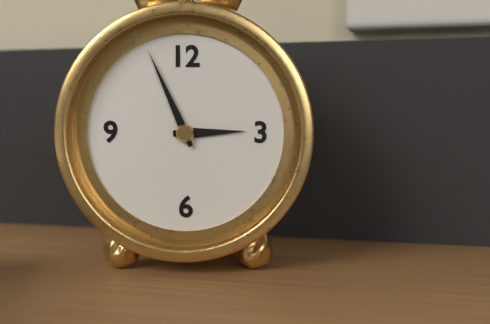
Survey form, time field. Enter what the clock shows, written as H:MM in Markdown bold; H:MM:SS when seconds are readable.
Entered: **2:56**
